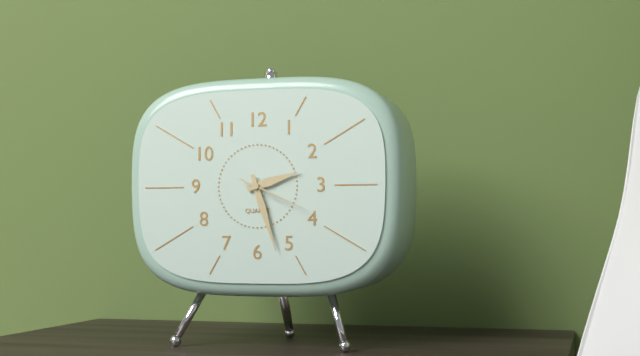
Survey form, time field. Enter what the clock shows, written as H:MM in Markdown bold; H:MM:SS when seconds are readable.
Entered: **2:27:19**
